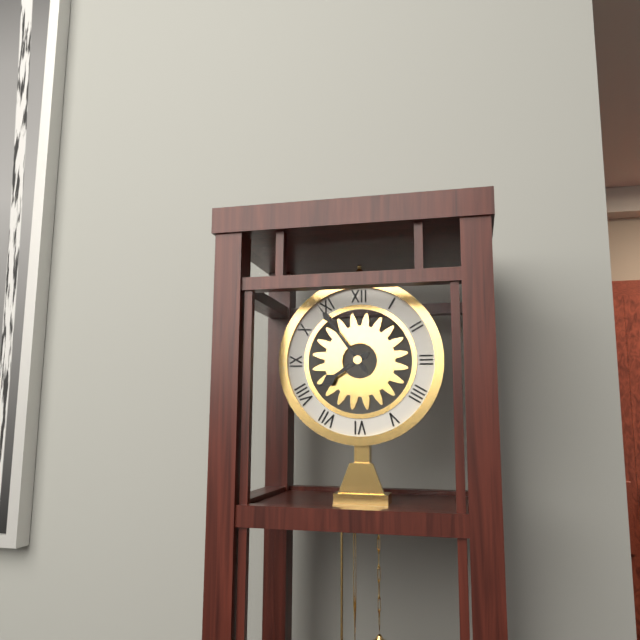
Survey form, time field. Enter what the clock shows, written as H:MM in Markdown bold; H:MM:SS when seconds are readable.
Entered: **7:54**
